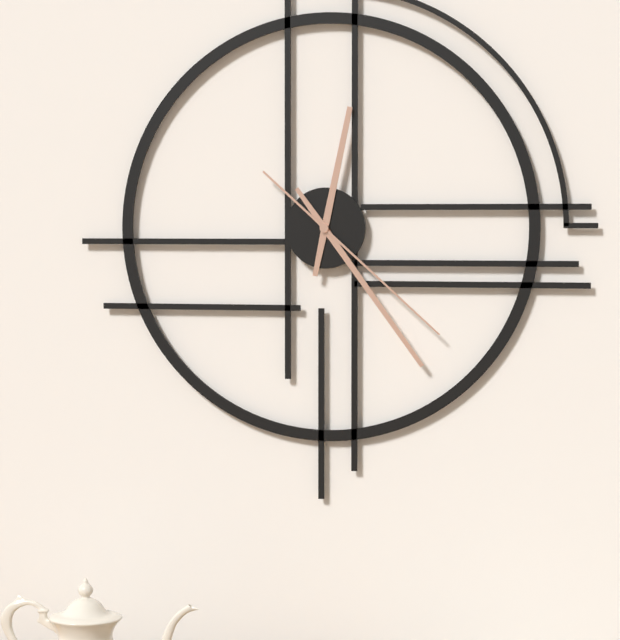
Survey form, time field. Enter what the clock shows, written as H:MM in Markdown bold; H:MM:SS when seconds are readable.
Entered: **12:24:22**
